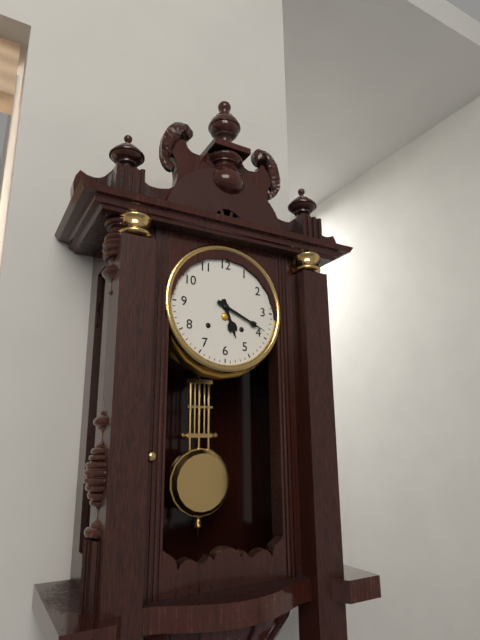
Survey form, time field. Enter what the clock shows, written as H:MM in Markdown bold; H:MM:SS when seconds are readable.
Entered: **5:19**
